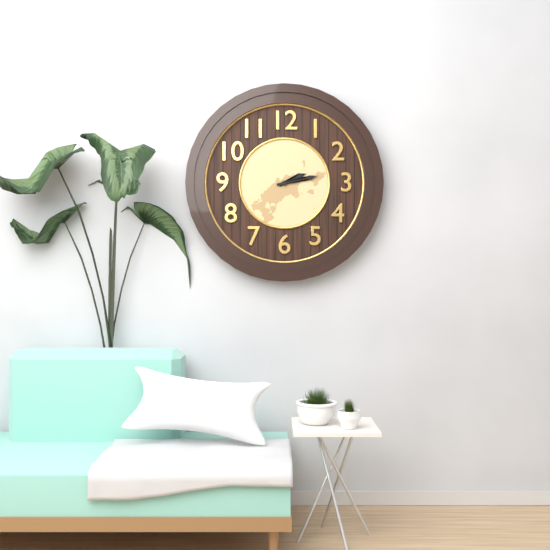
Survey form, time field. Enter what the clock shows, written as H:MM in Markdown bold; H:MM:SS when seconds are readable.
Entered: **2:13**
